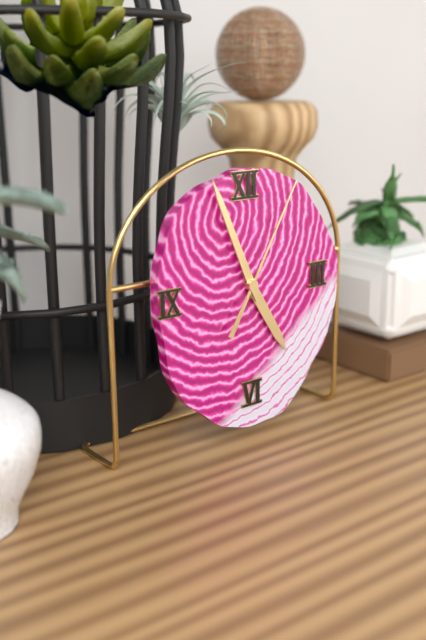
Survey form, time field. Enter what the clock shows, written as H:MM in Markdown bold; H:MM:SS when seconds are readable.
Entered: **4:56:05**
